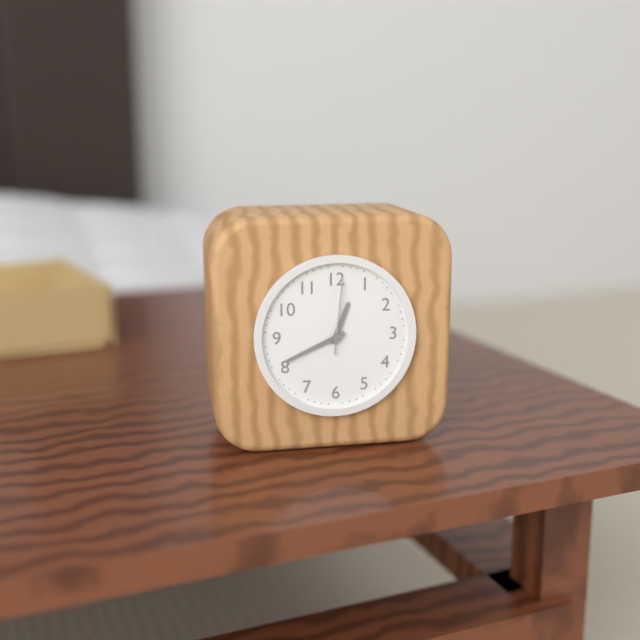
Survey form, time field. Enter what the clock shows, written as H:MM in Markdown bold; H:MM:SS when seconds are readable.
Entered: **12:41:01**
